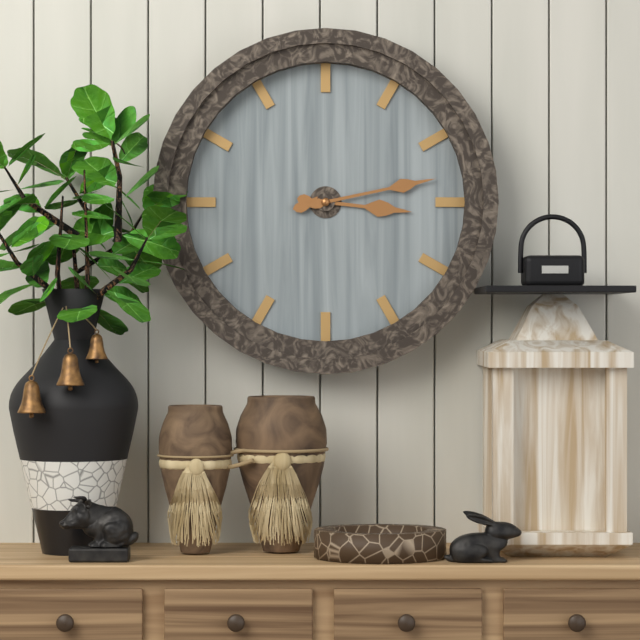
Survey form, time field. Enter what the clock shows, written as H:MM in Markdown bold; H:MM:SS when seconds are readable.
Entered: **3:13**
